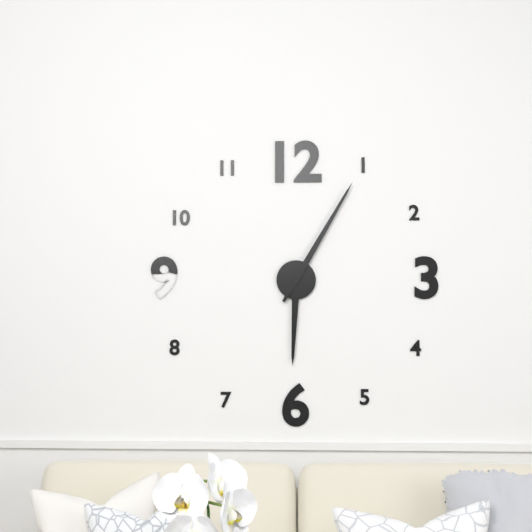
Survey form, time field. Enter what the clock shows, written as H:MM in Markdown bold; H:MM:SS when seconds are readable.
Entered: **6:05**
